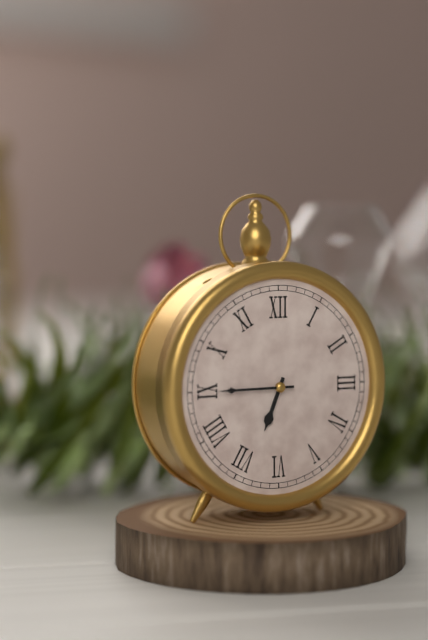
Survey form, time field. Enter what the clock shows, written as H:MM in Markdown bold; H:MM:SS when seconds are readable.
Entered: **6:45**
